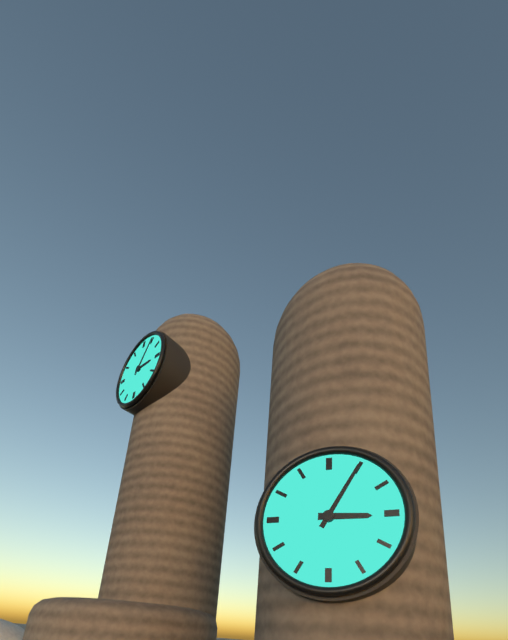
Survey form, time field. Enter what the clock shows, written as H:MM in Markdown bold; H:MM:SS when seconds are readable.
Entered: **3:05**
